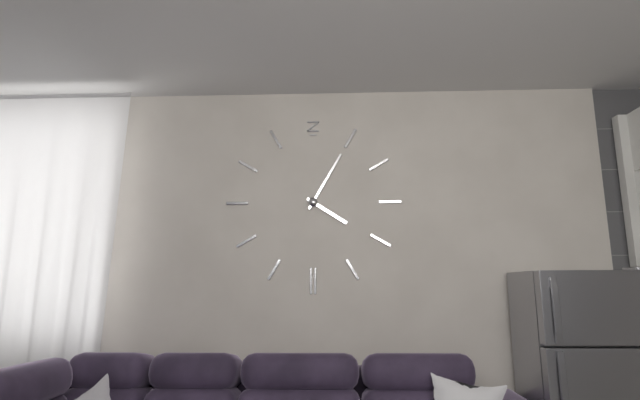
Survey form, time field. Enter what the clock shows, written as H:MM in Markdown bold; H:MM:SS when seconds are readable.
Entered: **4:05**
